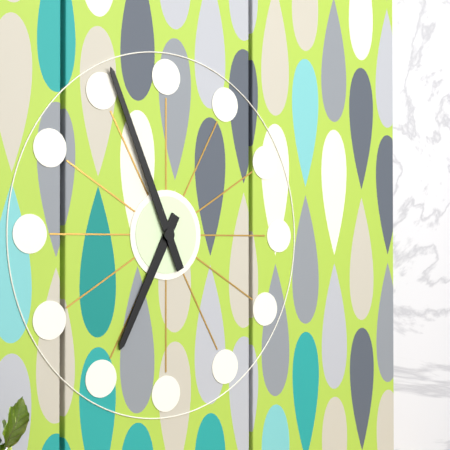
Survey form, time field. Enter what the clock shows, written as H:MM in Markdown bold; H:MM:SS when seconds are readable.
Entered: **6:56**
